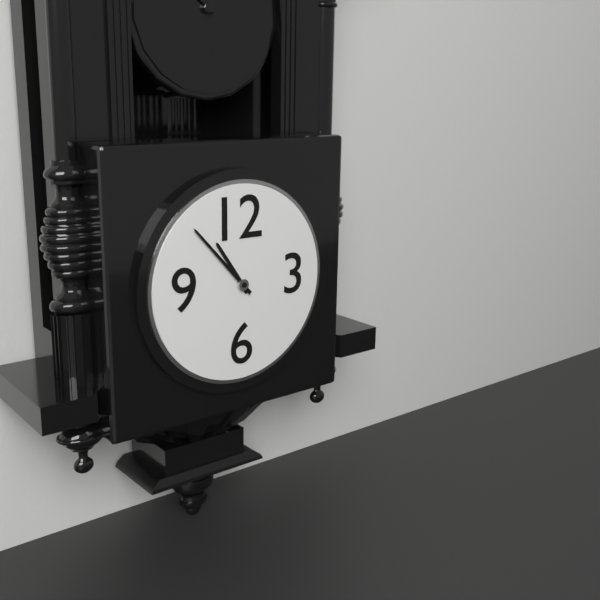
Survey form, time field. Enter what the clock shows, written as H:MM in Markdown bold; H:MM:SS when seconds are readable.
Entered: **10:53**
